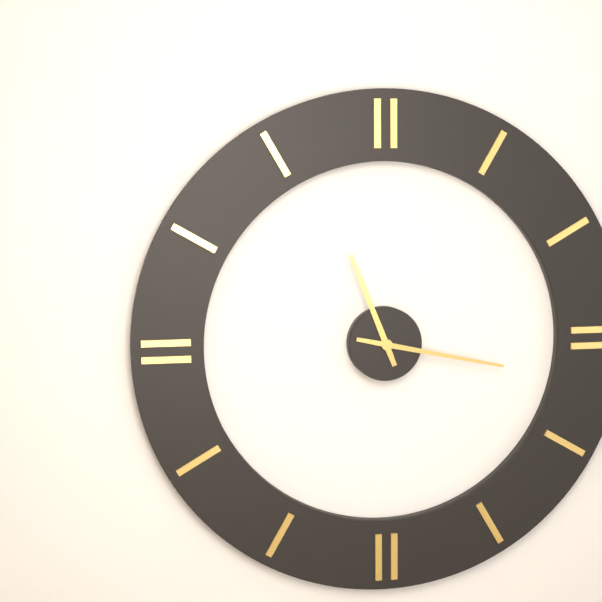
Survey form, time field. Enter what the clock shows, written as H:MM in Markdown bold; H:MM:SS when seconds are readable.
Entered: **11:17**
